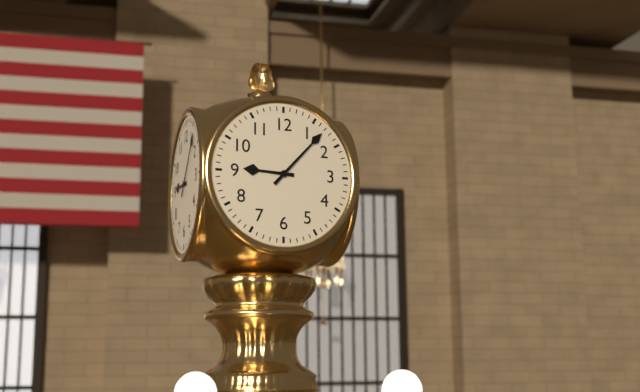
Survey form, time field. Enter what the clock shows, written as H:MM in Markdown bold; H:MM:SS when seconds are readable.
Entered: **9:07**
